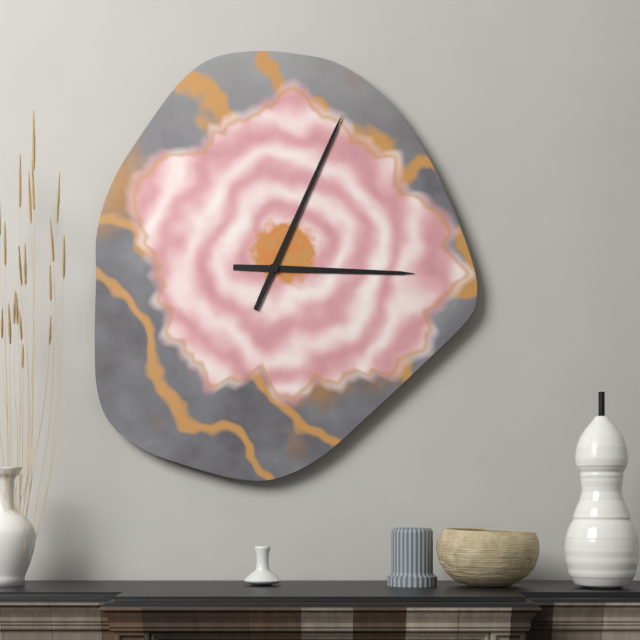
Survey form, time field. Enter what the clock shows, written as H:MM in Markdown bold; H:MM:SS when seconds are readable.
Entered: **3:04**
